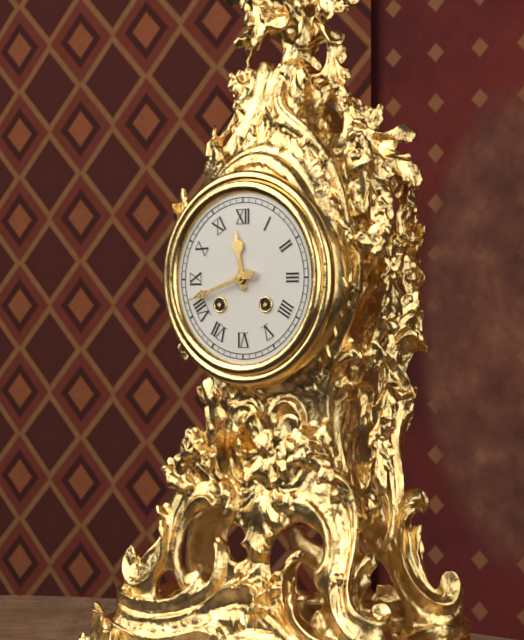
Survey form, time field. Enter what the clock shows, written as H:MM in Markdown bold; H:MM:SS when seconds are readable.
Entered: **11:42**
